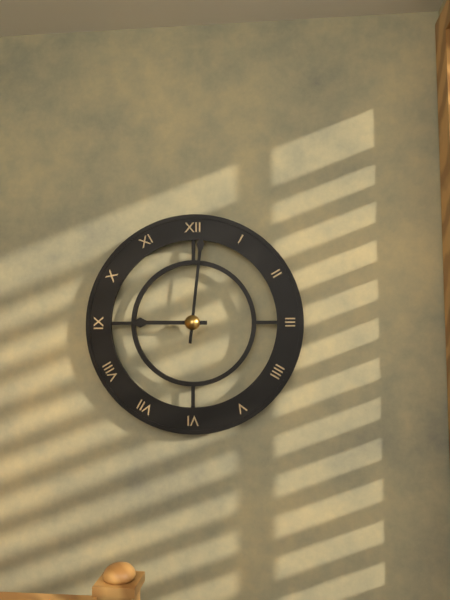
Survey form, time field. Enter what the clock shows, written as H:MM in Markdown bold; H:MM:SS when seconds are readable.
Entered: **9:01**
